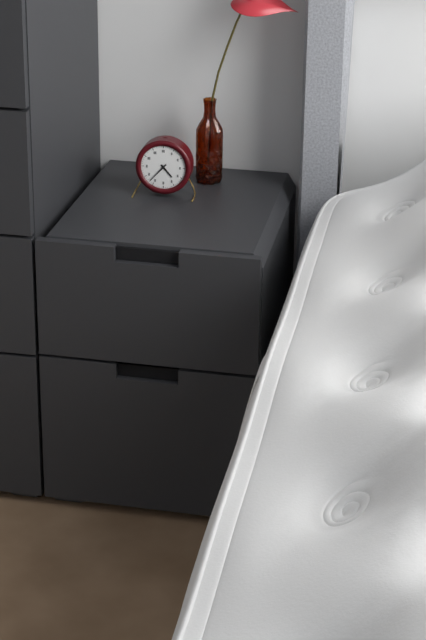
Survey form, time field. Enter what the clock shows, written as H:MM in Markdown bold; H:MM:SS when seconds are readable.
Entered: **4:37**
